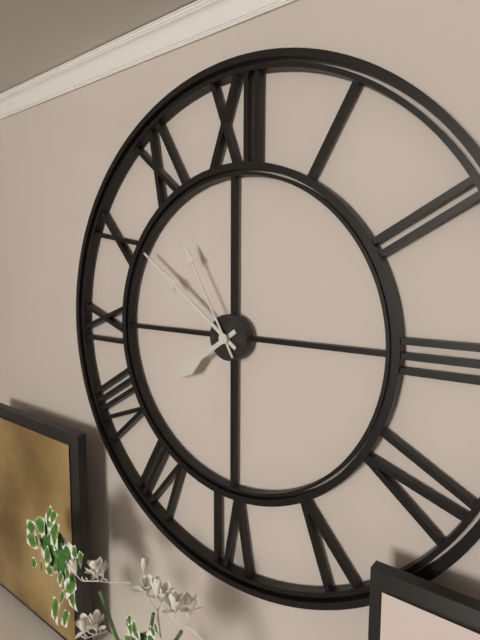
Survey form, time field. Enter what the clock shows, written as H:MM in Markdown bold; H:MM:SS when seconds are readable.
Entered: **7:51:55**
